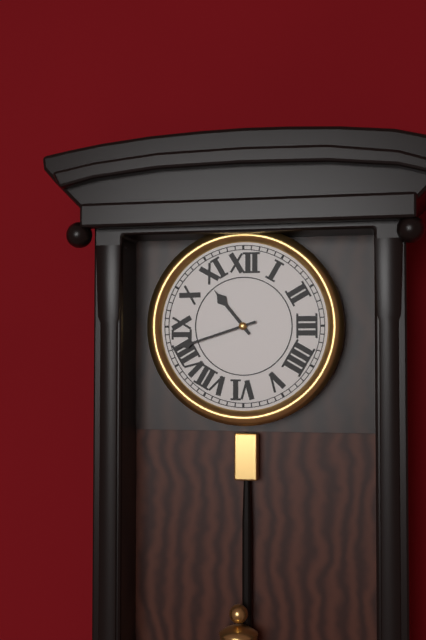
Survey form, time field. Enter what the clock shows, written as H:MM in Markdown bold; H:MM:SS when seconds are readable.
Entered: **10:42**
